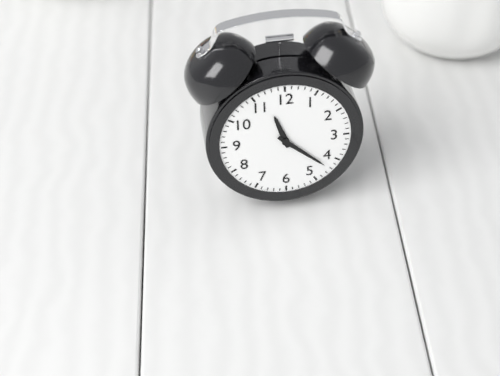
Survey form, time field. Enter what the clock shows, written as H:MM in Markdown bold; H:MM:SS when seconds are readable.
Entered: **11:22**
